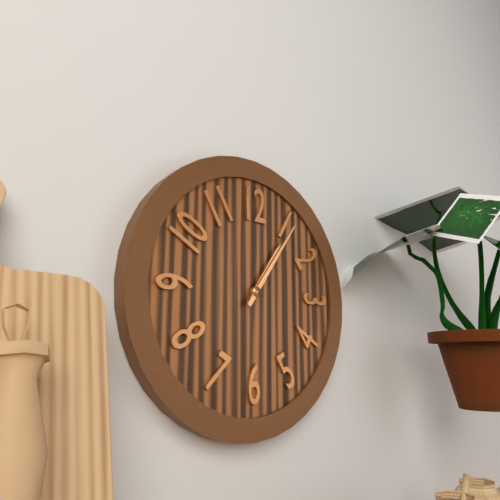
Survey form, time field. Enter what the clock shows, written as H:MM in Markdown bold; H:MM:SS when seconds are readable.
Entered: **1:06**
